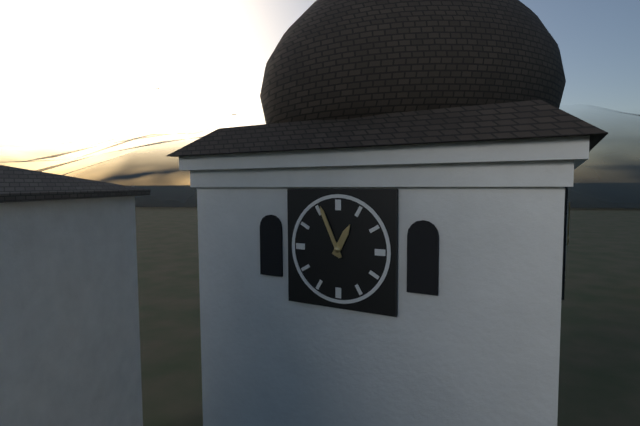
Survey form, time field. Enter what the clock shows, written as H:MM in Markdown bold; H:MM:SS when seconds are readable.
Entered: **12:56**
